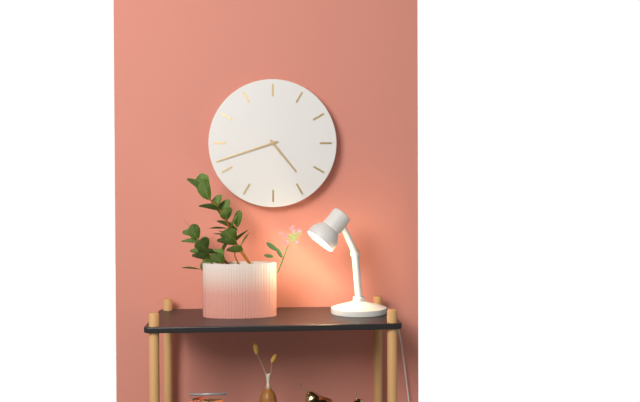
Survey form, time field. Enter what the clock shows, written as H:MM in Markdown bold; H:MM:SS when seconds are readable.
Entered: **4:42**
